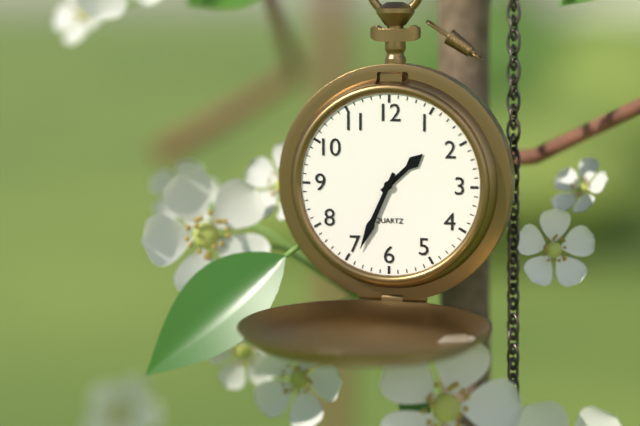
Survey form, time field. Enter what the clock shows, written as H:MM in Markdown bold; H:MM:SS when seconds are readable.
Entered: **1:34**
